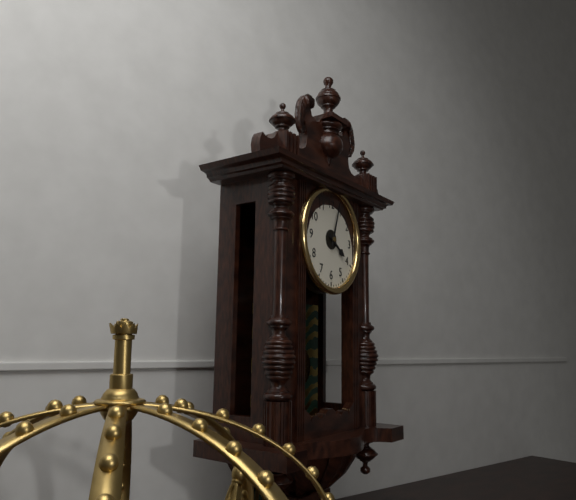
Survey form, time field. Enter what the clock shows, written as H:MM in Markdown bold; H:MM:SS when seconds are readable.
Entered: **4:03**
